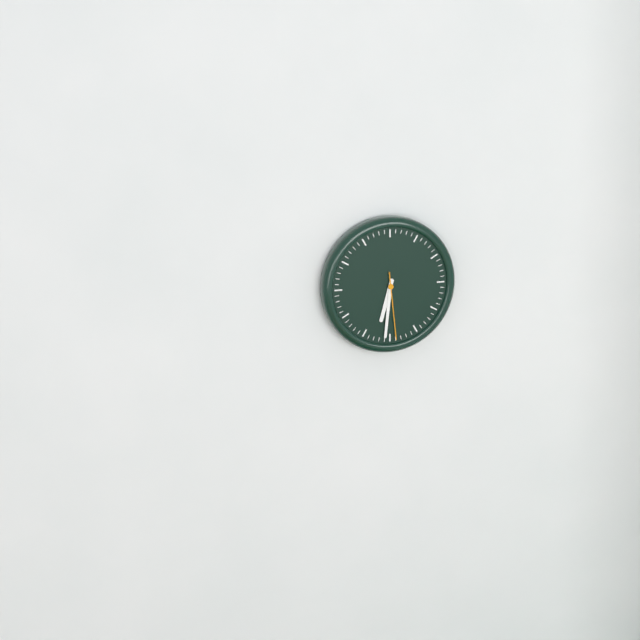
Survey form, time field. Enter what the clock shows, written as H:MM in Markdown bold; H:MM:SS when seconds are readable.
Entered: **6:31:29**
